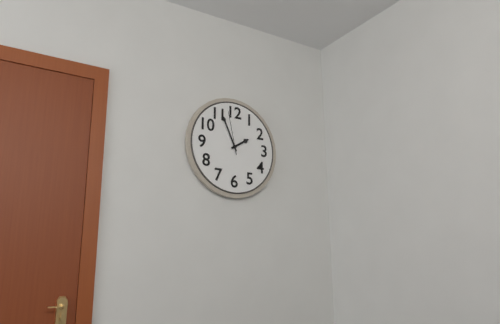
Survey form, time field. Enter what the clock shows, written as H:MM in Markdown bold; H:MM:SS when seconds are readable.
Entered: **1:56**
